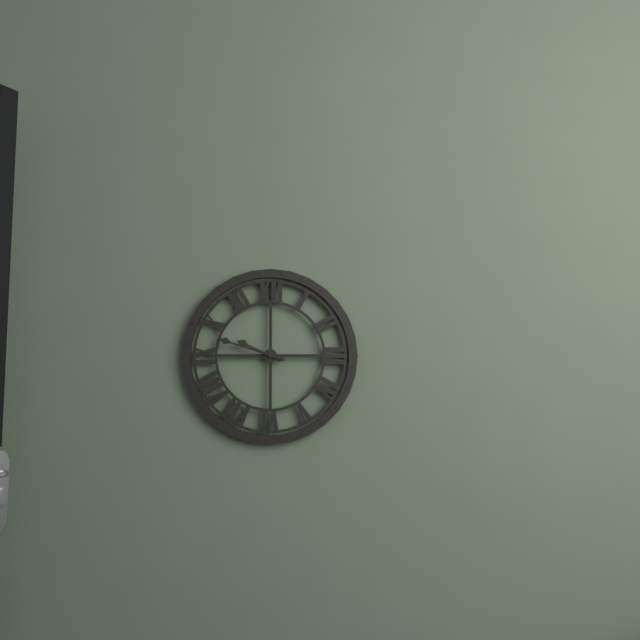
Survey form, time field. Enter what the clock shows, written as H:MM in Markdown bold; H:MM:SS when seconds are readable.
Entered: **9:48**
